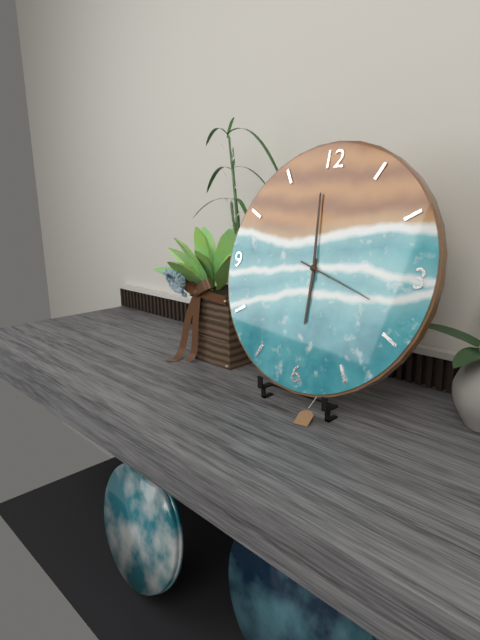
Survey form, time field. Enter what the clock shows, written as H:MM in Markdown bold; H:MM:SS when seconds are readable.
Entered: **5:59:18**
